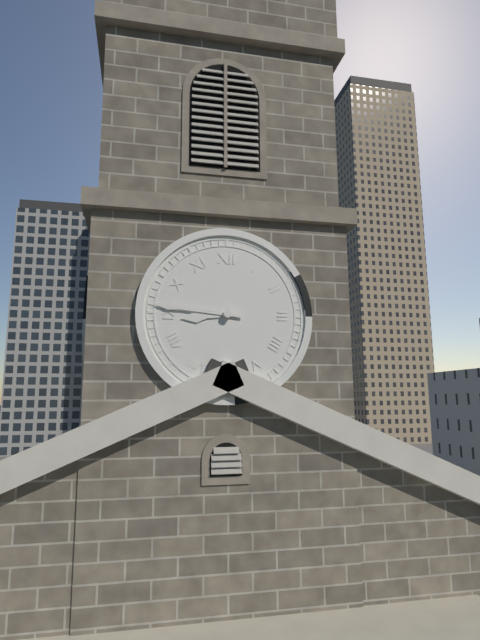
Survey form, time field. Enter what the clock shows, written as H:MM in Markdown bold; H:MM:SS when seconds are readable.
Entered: **8:46**
